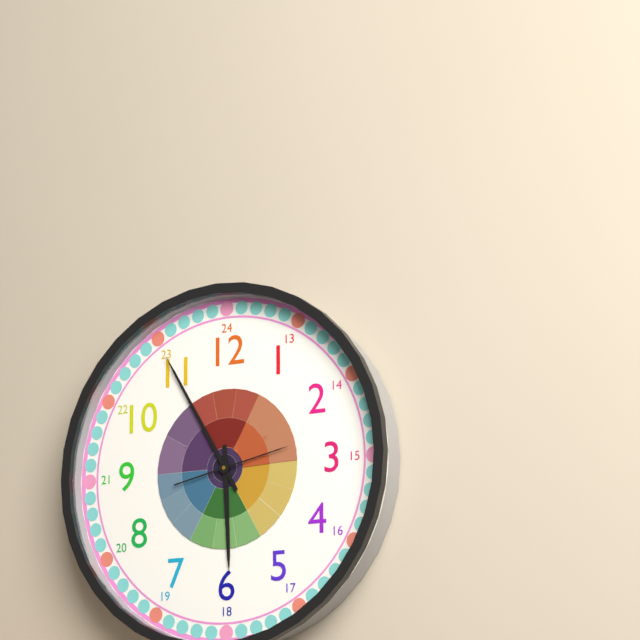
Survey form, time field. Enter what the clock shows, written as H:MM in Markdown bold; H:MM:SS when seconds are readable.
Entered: **5:55:13**
